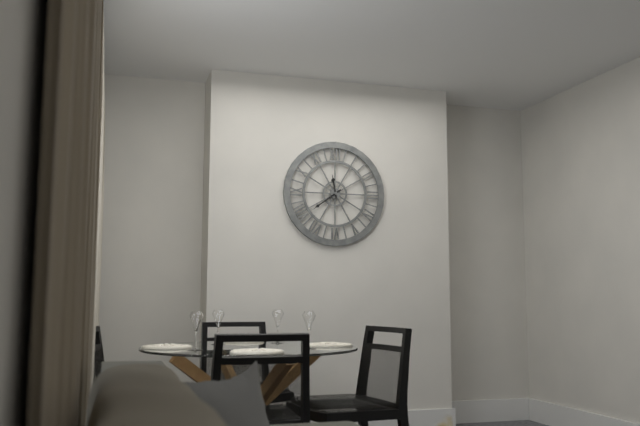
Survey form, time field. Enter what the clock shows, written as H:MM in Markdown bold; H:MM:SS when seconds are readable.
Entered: **11:39**
